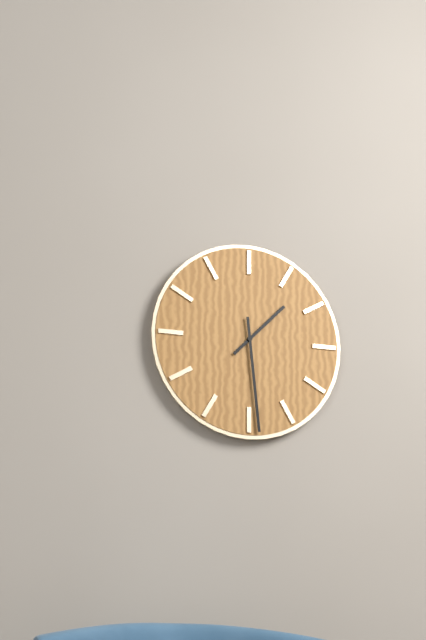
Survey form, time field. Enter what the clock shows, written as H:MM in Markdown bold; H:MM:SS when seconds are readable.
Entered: **1:29**
